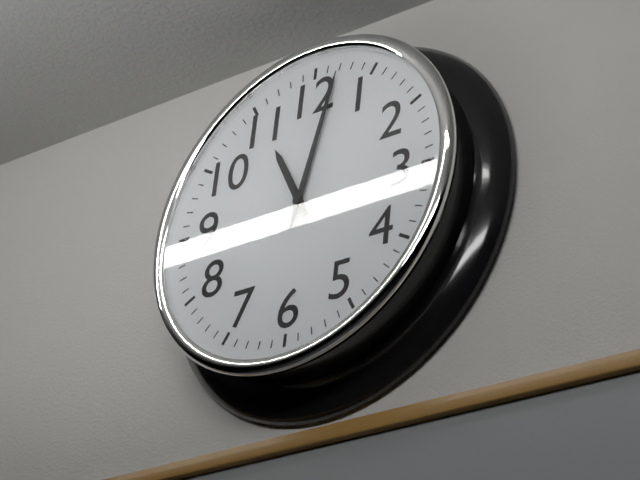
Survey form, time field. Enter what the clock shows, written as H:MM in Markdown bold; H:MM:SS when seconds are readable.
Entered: **11:02**
